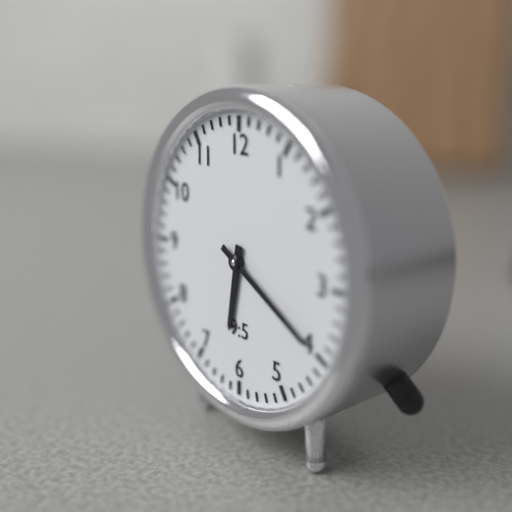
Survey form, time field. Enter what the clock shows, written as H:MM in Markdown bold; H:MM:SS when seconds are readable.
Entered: **6:20**
